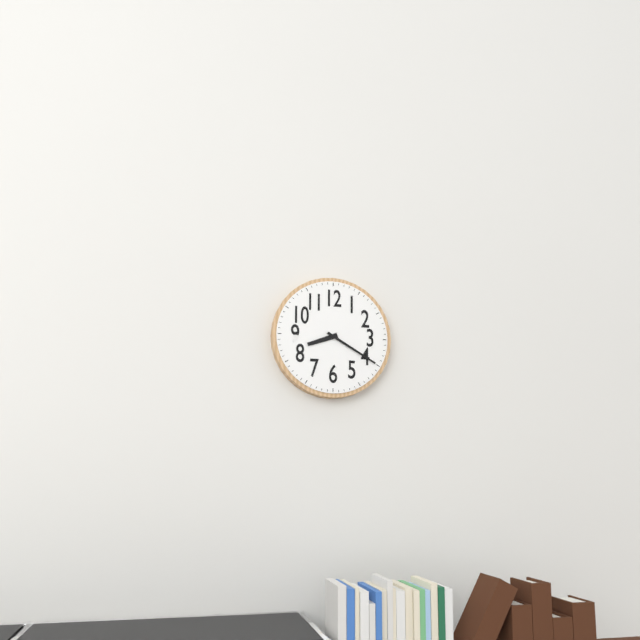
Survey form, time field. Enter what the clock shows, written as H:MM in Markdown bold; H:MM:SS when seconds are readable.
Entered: **8:20**
